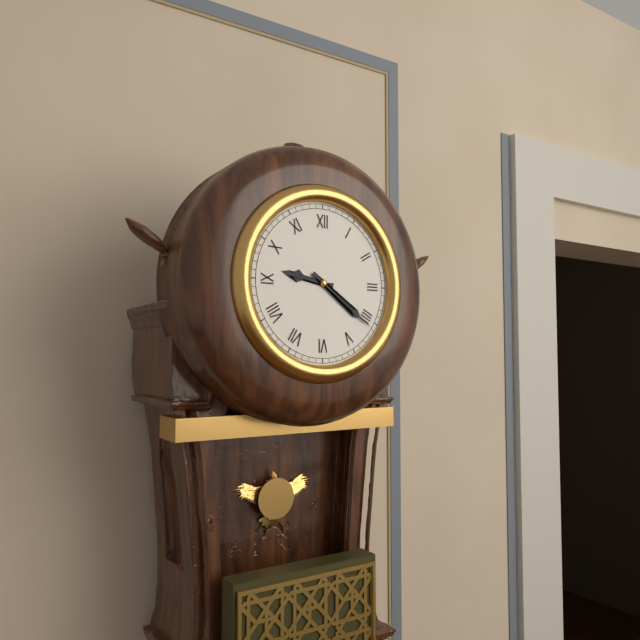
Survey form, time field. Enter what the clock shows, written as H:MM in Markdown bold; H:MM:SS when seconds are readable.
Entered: **9:21**
